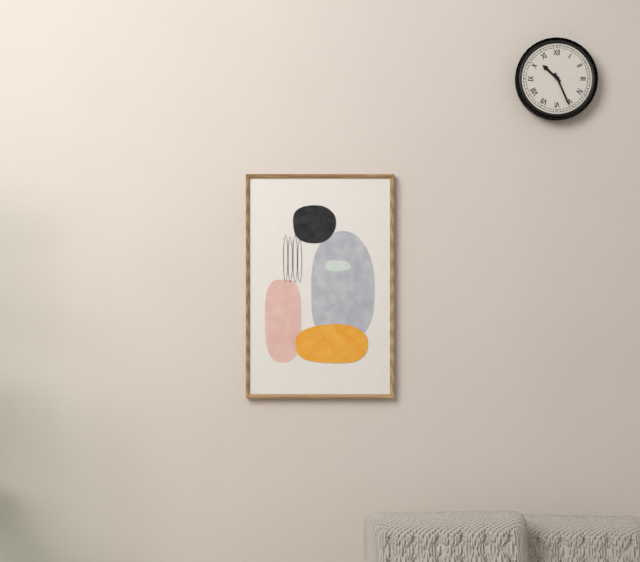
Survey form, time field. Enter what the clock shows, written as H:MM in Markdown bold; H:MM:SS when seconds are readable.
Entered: **10:26**
